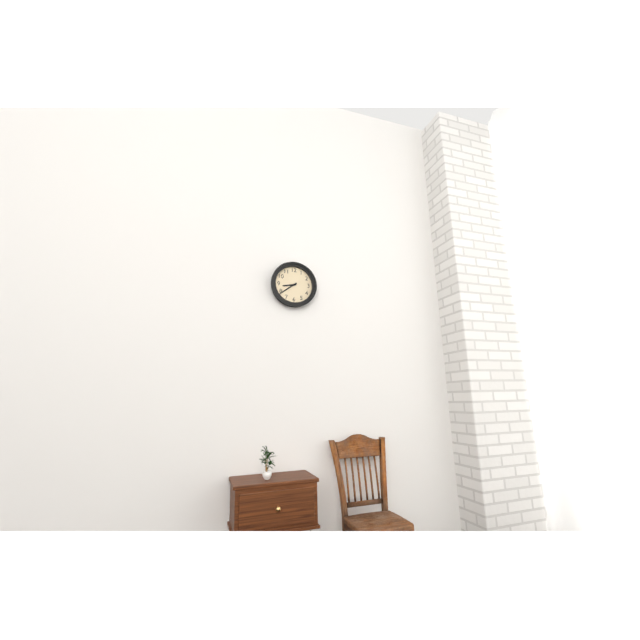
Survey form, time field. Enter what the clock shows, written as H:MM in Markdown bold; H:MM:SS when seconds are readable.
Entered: **8:39**
